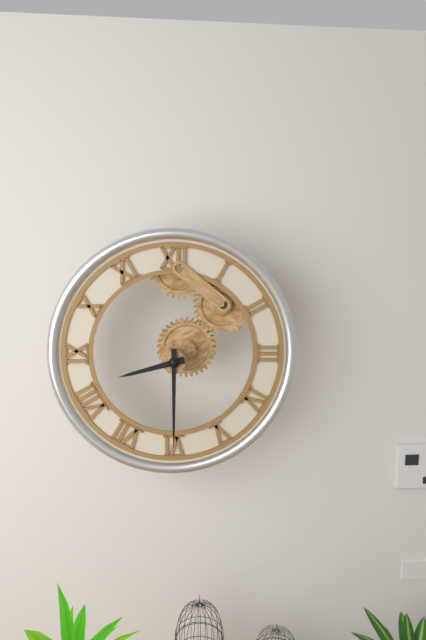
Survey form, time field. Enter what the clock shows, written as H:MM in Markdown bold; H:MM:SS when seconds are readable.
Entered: **8:30**
